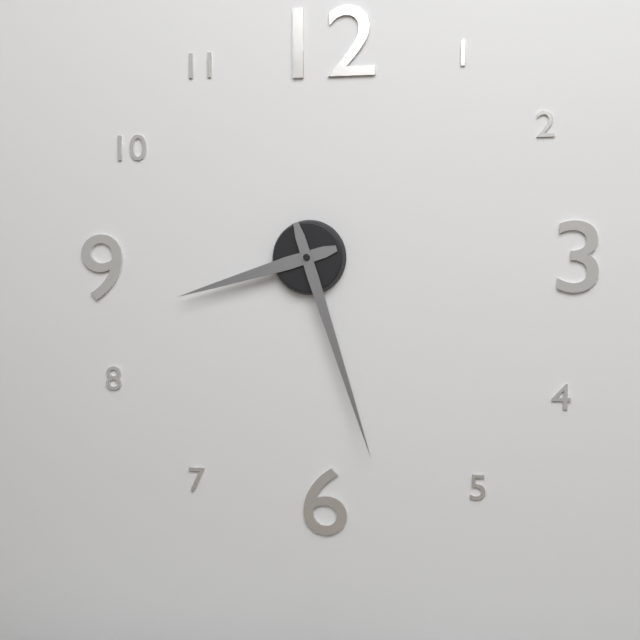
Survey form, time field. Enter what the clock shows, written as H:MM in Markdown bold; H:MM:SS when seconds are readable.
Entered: **8:27**
